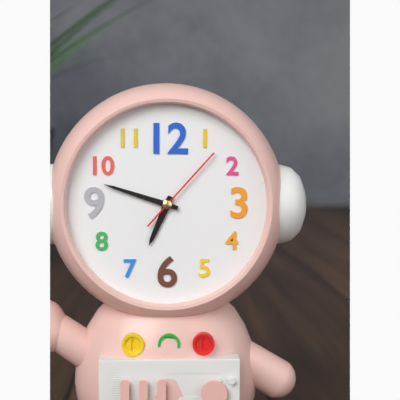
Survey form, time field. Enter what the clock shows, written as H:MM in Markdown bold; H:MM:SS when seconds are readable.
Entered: **6:48:07**
